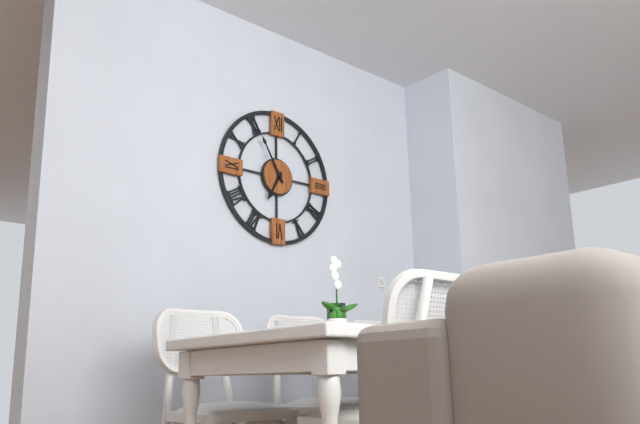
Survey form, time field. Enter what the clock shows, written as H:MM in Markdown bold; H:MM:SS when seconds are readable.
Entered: **6:55**
